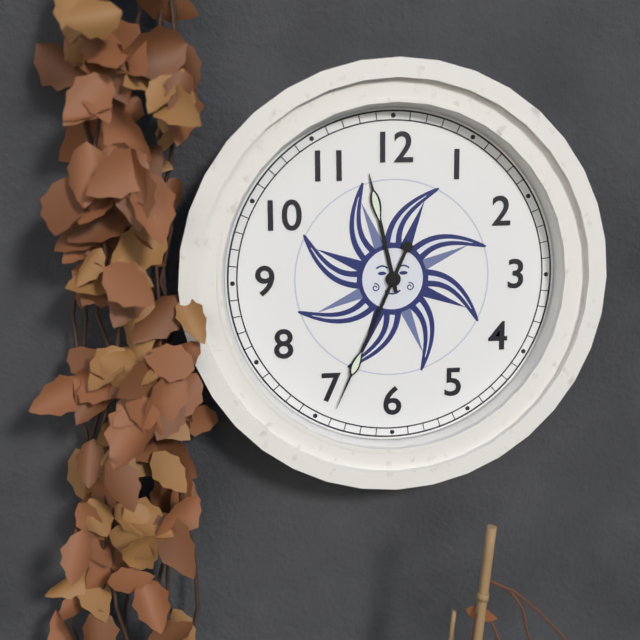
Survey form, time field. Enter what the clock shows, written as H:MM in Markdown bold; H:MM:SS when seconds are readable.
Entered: **11:34**
